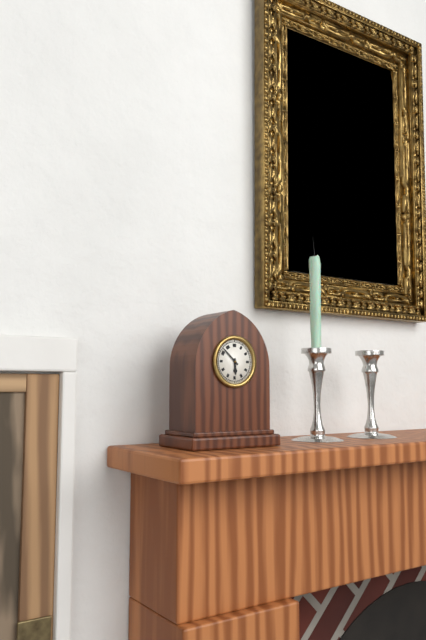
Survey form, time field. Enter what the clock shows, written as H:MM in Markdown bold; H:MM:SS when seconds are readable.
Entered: **5:52**
